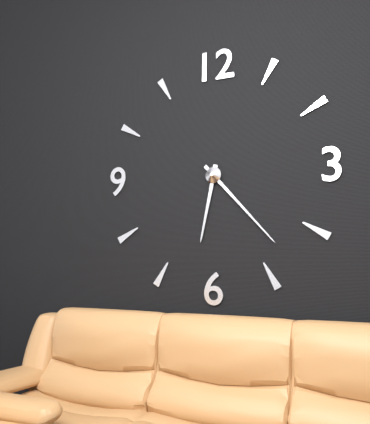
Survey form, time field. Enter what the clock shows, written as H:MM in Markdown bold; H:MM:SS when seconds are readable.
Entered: **6:23**
